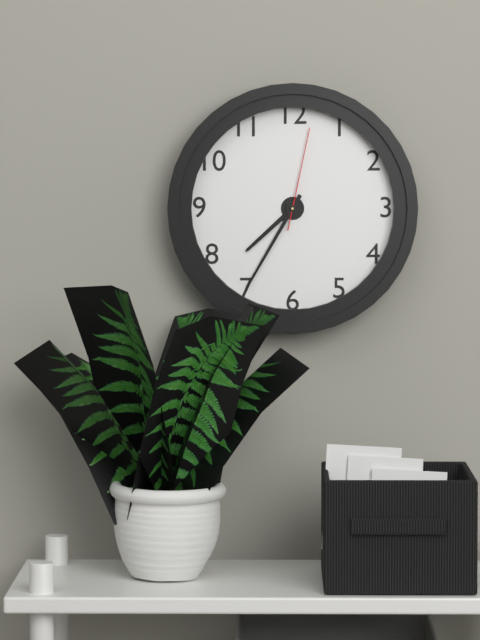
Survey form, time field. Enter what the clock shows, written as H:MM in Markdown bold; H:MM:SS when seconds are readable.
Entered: **7:35:02**
